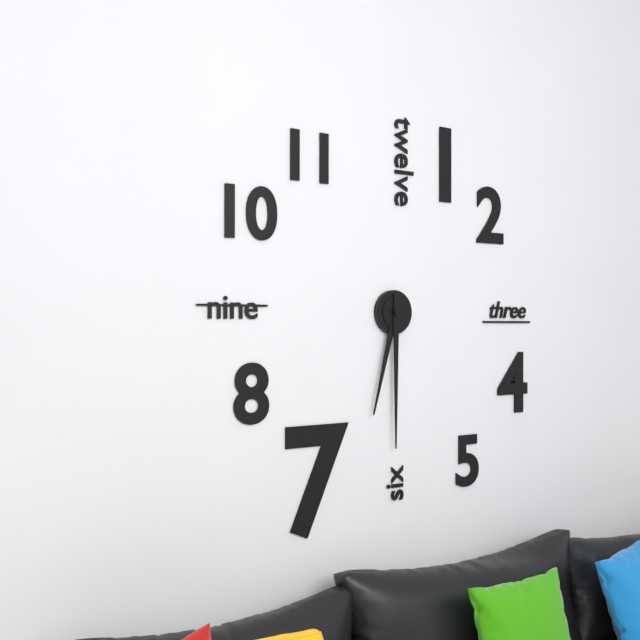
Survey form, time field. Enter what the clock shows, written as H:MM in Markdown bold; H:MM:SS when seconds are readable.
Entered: **6:30**
